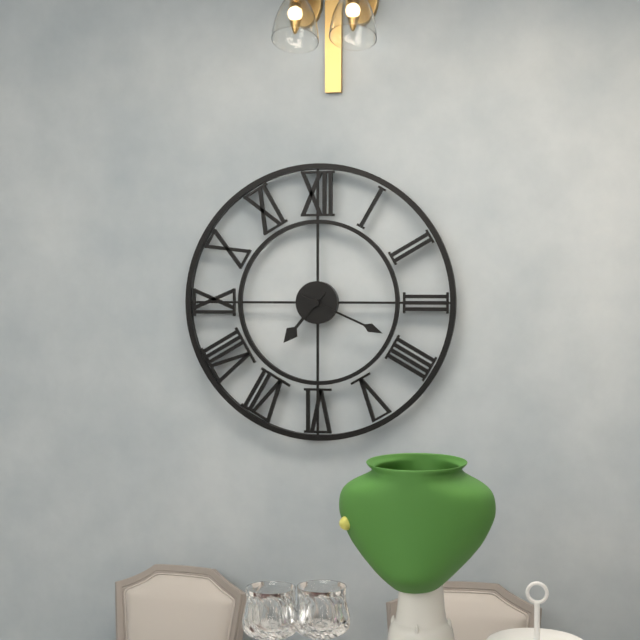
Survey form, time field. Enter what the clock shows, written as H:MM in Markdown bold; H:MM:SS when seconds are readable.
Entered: **7:19**
